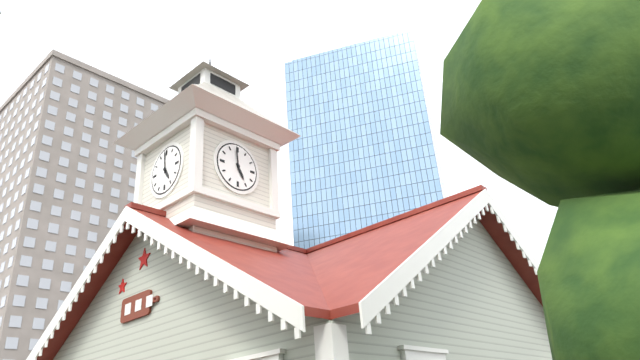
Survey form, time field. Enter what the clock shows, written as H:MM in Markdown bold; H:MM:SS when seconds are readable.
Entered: **4:59**
